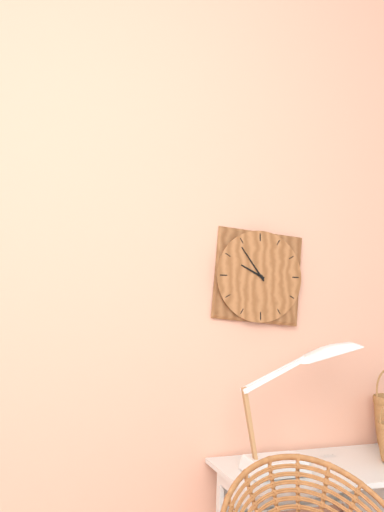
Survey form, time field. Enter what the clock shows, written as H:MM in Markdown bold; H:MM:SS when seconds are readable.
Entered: **9:54**
